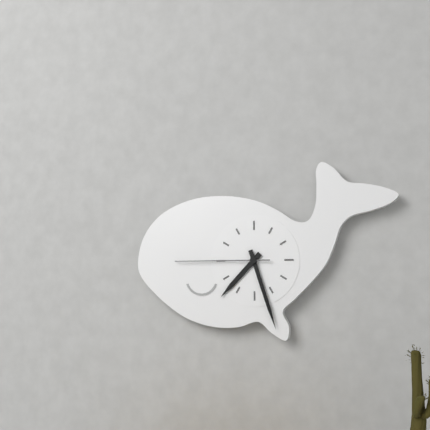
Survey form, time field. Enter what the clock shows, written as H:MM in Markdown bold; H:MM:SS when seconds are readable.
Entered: **7:27:45**
